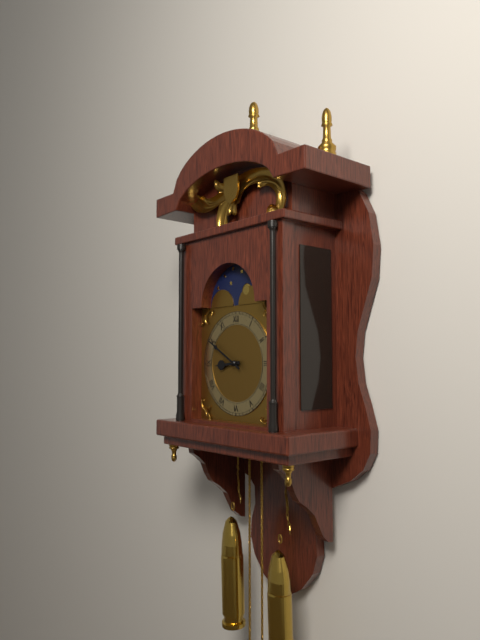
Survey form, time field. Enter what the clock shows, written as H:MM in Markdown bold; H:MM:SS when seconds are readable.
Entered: **8:50**
